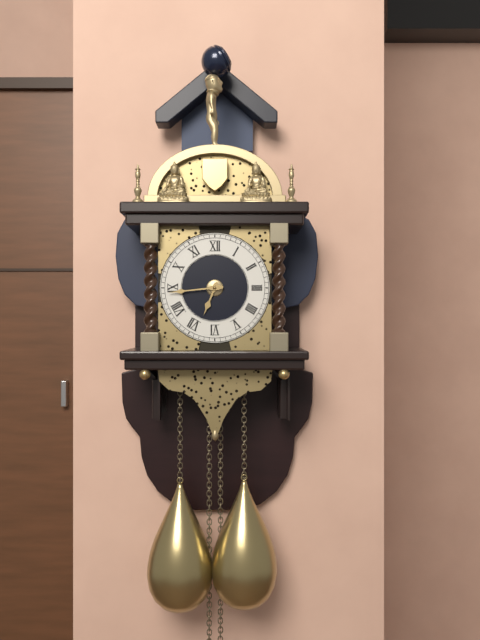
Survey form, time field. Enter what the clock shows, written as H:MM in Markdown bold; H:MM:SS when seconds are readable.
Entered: **6:44**
